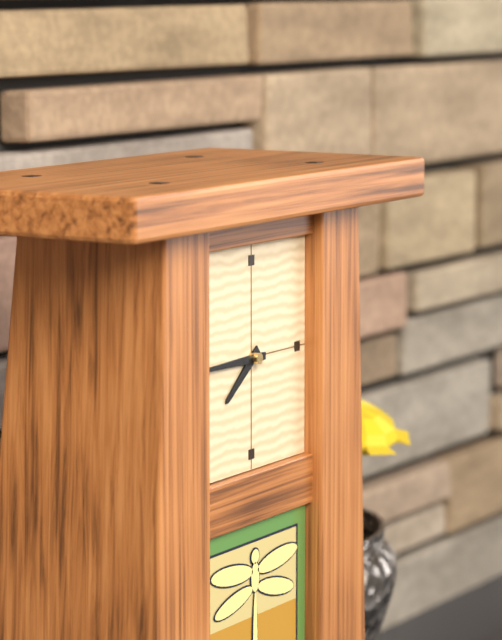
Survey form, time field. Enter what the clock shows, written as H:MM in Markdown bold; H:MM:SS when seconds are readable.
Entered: **7:45**
